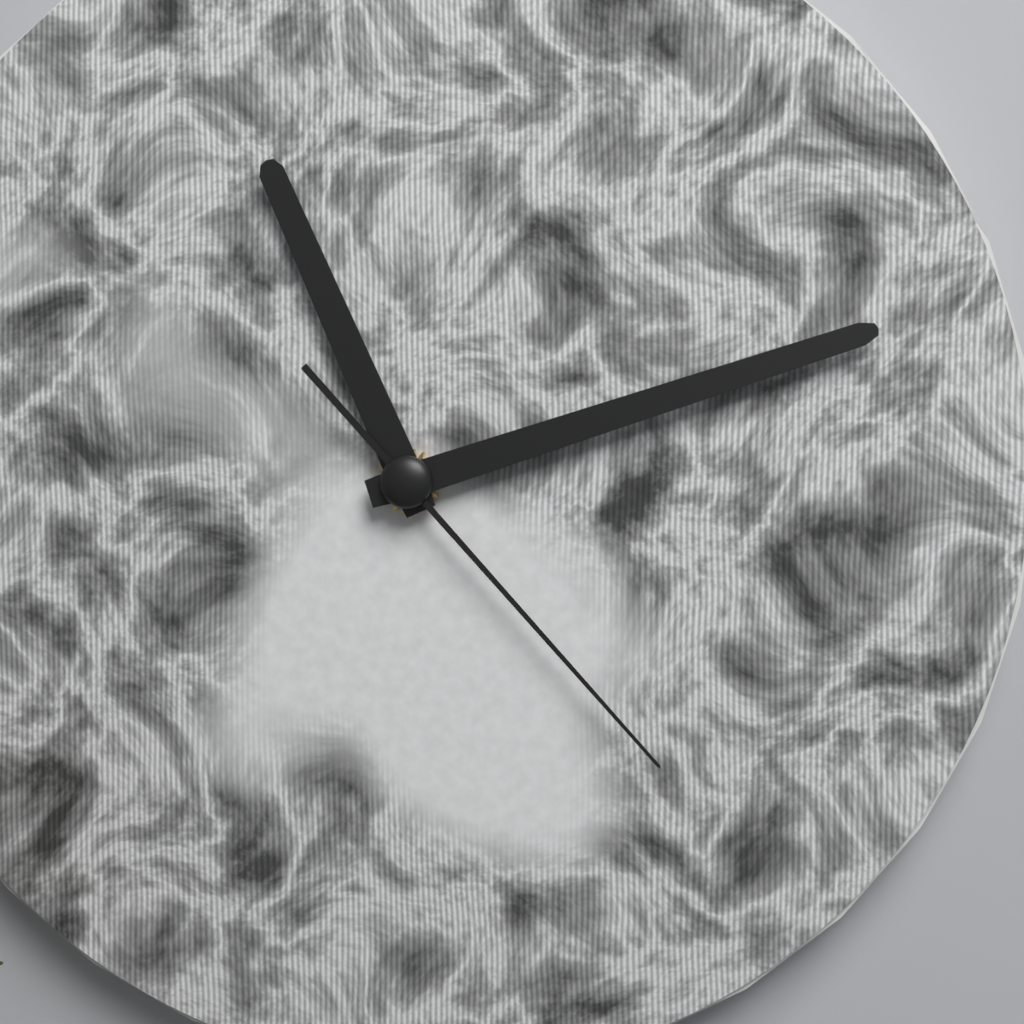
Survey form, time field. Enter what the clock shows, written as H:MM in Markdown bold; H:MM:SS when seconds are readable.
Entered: **11:12:23**
